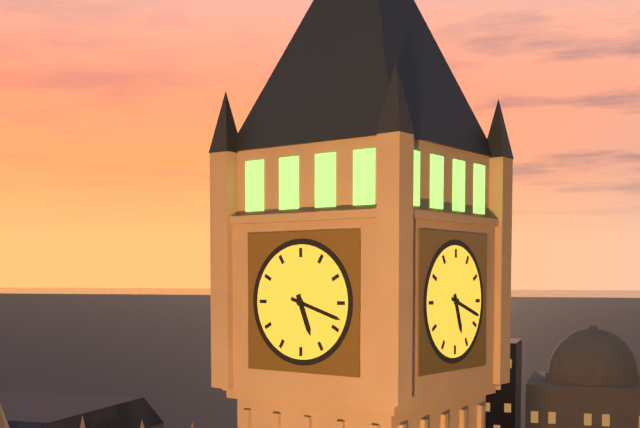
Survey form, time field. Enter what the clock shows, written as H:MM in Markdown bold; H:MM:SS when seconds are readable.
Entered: **5:18**
